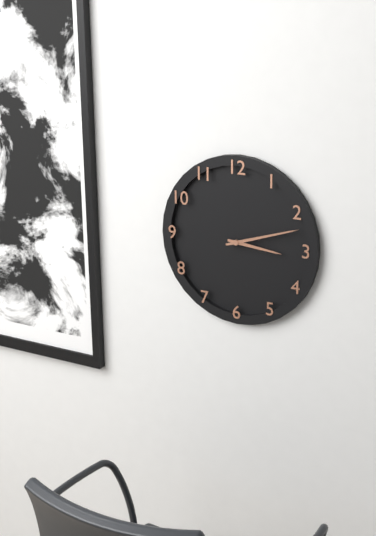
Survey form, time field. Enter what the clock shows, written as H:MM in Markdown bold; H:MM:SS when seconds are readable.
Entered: **3:12**
